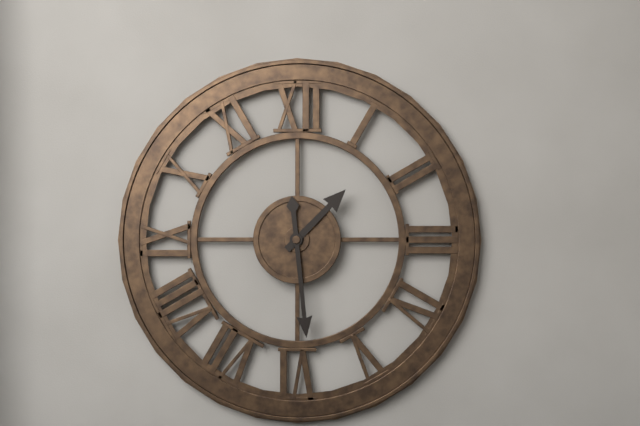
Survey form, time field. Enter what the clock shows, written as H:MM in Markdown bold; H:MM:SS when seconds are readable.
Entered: **1:29**
